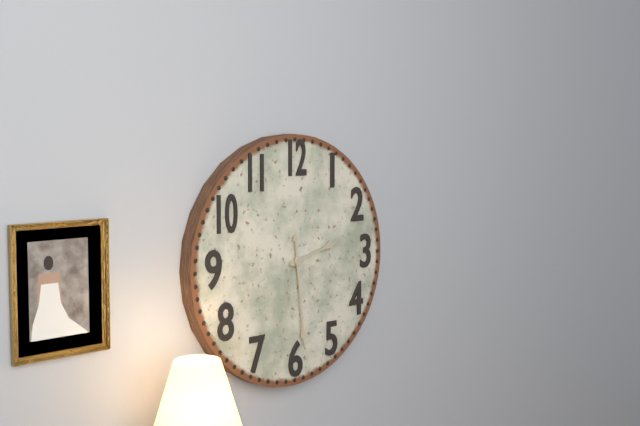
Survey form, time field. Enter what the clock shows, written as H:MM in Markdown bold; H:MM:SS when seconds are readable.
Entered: **2:29**
